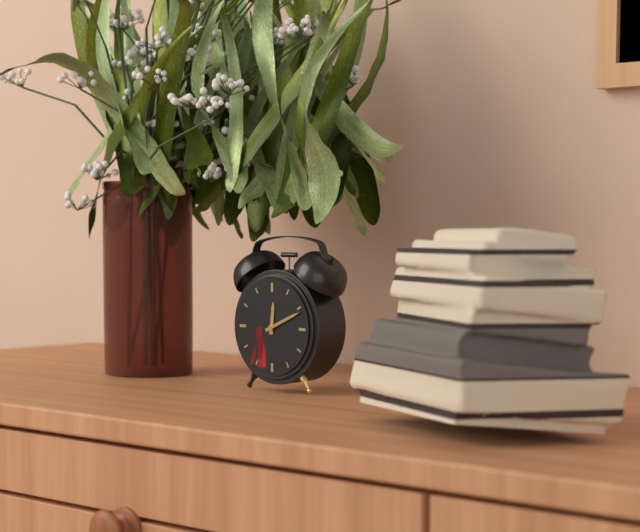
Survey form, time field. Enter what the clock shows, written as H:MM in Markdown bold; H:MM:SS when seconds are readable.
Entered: **12:11**
